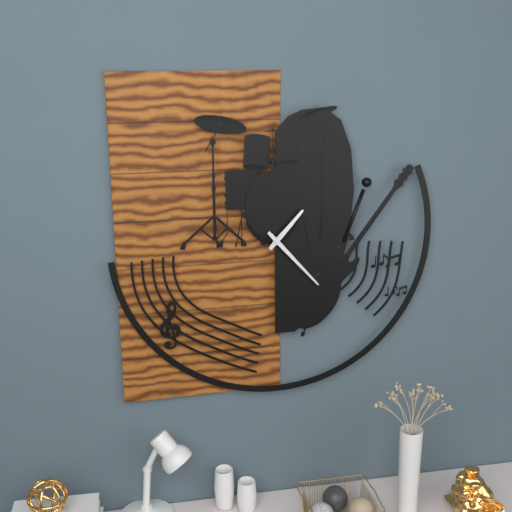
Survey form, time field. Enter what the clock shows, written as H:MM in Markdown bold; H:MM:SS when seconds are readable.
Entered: **1:23**
